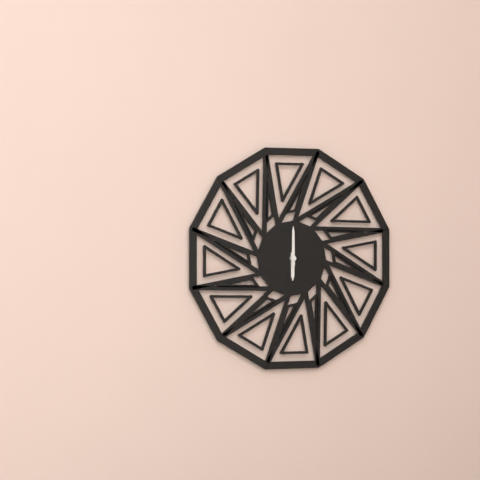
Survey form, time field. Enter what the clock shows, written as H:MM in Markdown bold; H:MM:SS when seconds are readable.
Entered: **6:00**
